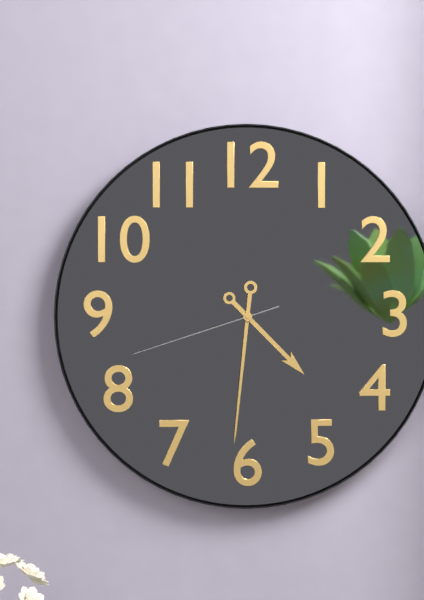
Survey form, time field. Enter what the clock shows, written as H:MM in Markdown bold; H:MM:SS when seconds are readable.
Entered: **4:31:42**
